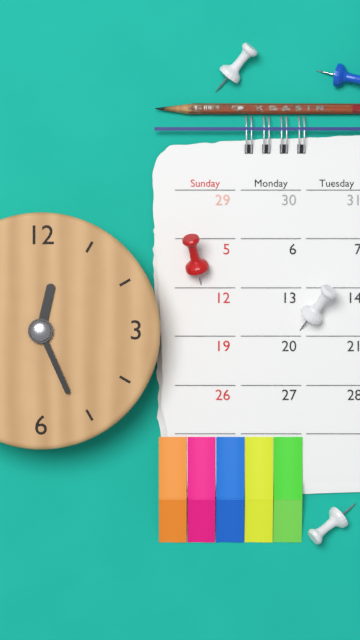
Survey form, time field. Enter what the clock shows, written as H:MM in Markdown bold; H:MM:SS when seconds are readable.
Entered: **12:26**
